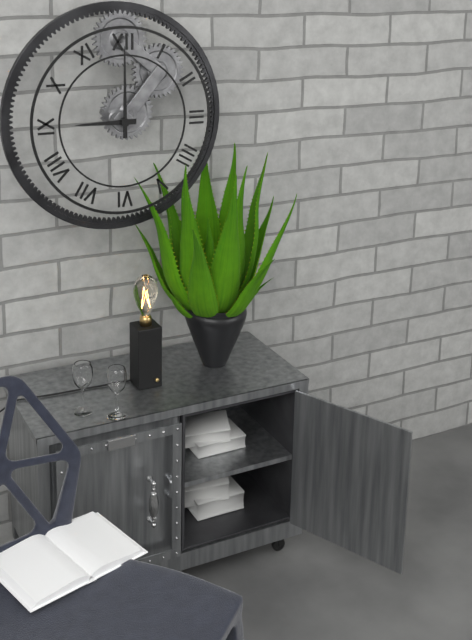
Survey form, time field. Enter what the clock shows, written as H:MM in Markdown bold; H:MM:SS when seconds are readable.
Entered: **9:00**
